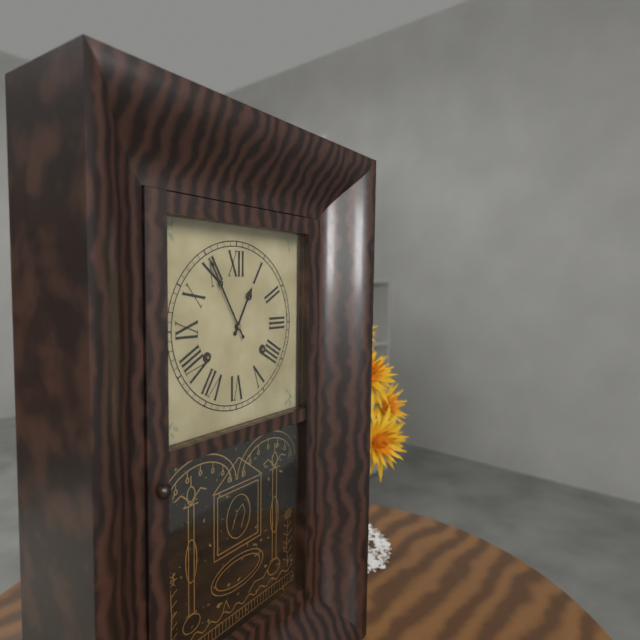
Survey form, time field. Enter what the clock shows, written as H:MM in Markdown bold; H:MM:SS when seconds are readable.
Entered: **12:55**
